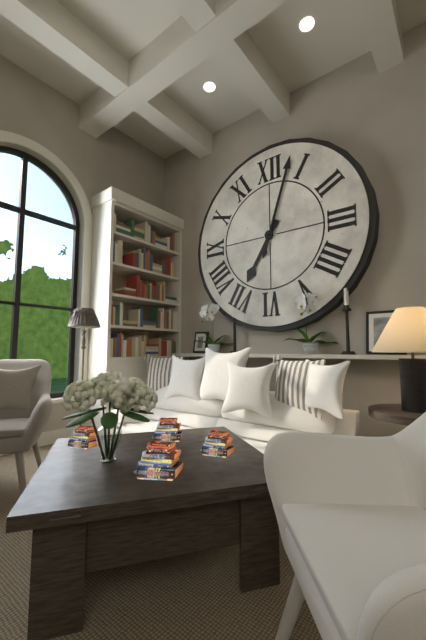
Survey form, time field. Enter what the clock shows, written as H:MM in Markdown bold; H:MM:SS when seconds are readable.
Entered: **7:03**
